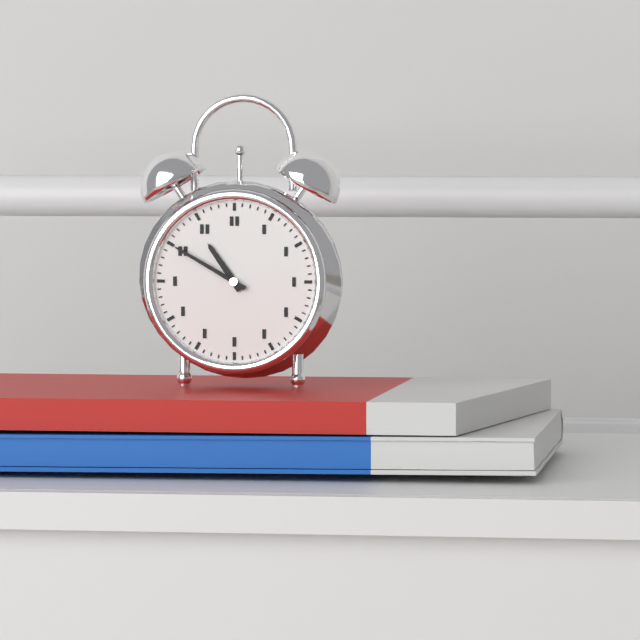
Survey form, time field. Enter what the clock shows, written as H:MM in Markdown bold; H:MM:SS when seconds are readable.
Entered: **10:50**
